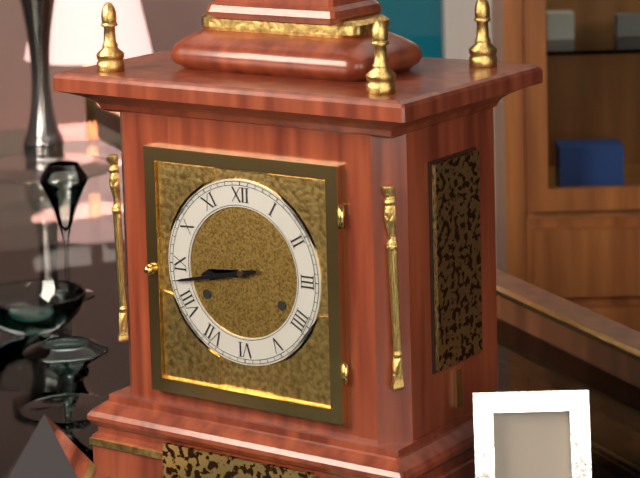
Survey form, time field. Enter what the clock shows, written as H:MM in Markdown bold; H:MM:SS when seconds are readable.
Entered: **8:43**
